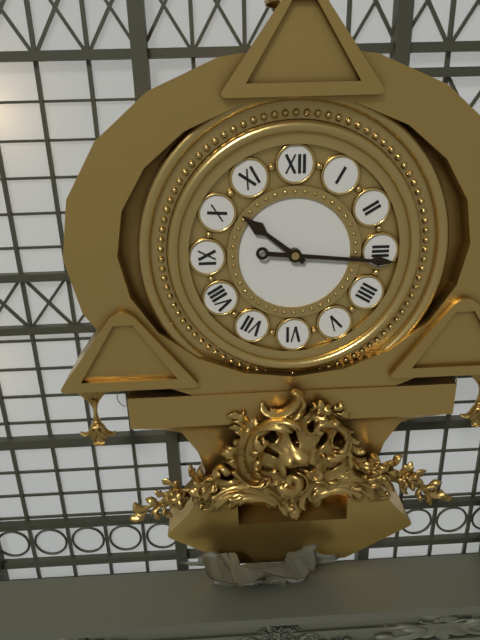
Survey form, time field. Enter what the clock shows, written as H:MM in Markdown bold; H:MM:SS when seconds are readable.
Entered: **10:16**
